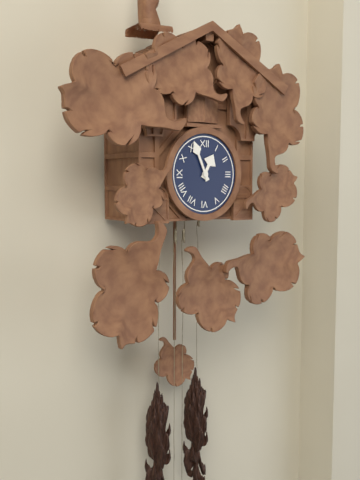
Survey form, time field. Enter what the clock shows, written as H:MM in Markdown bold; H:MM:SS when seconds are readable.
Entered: **12:56**
